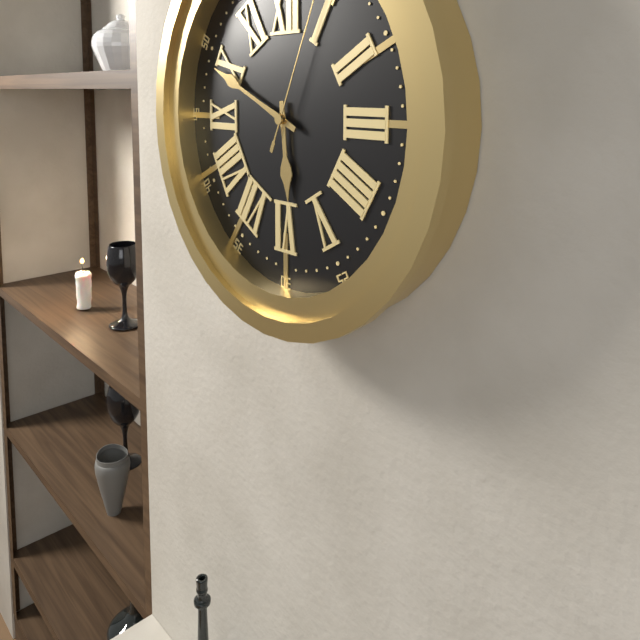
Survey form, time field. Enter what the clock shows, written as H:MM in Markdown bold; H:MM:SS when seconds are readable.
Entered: **5:49**
